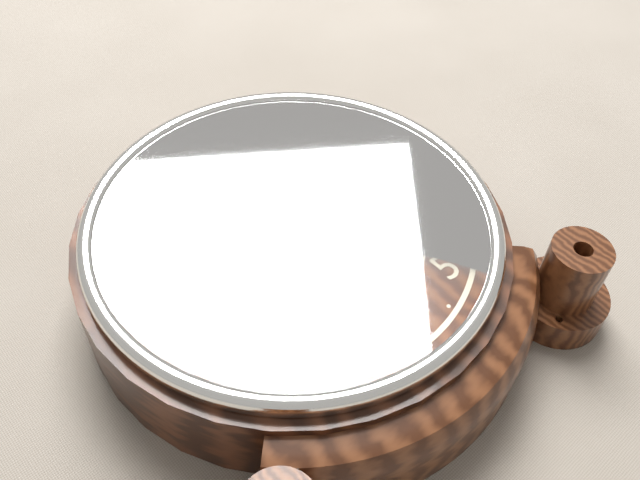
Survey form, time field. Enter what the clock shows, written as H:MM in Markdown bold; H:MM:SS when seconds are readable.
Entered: **3:02**
